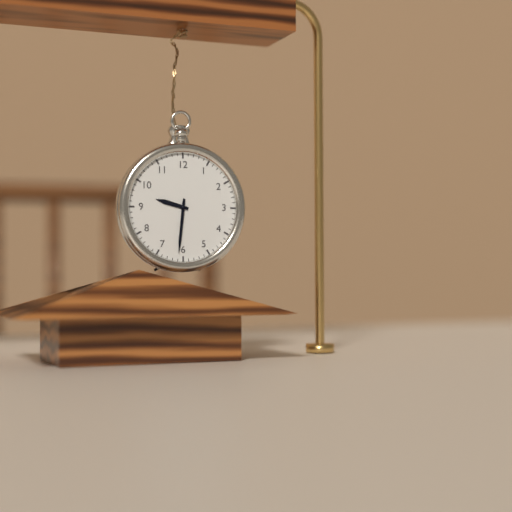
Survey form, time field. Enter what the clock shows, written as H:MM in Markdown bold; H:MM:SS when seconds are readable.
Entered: **9:31**
